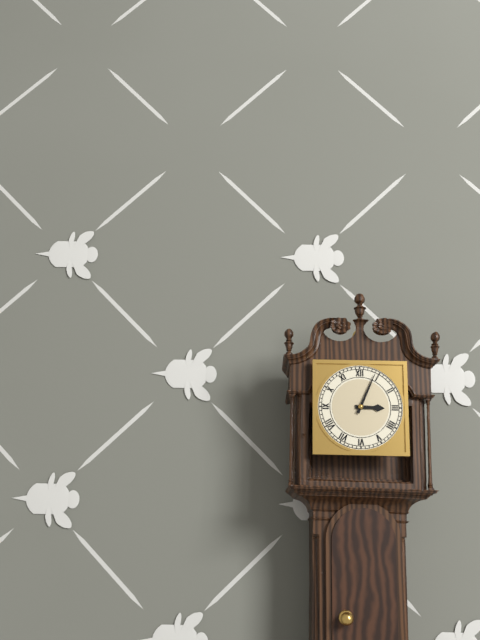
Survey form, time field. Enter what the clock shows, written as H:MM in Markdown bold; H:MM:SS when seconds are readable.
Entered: **3:04**
